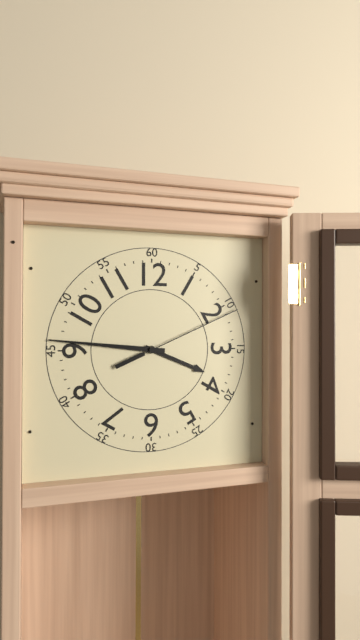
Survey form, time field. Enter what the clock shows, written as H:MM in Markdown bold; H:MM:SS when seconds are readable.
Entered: **3:46:11**
